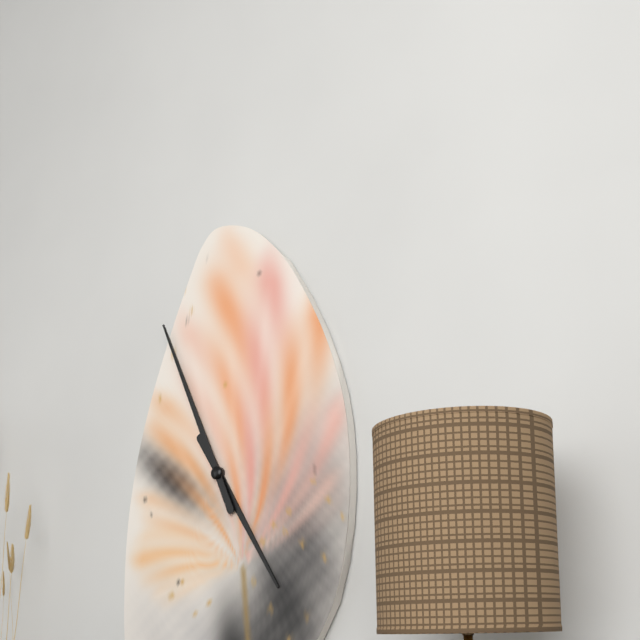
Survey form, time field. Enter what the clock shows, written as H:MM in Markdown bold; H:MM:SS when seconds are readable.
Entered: **4:56**
